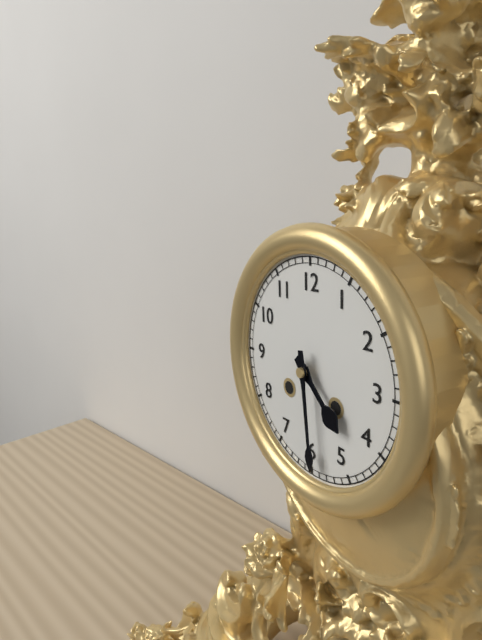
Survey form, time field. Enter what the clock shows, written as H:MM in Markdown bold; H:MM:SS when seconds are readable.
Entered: **4:29**
